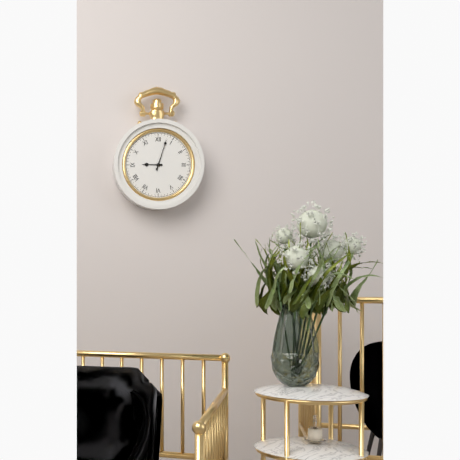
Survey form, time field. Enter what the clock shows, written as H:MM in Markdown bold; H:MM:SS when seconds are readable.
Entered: **9:03**
